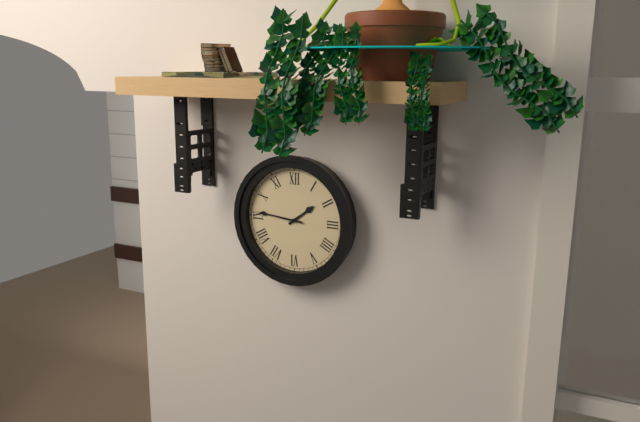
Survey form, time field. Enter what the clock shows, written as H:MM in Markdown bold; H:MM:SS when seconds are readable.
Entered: **1:46**
